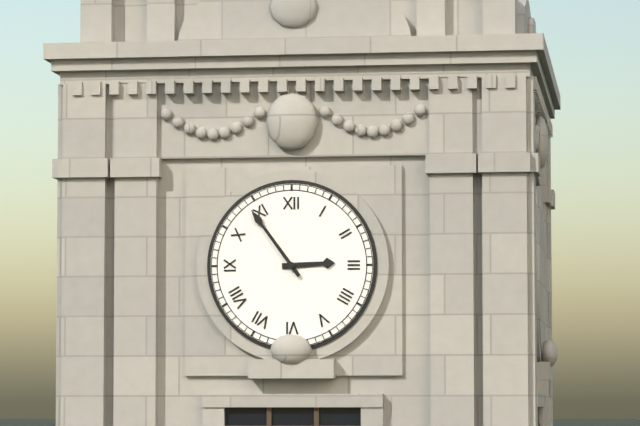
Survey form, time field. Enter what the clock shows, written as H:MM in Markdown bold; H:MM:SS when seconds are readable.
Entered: **2:54**
